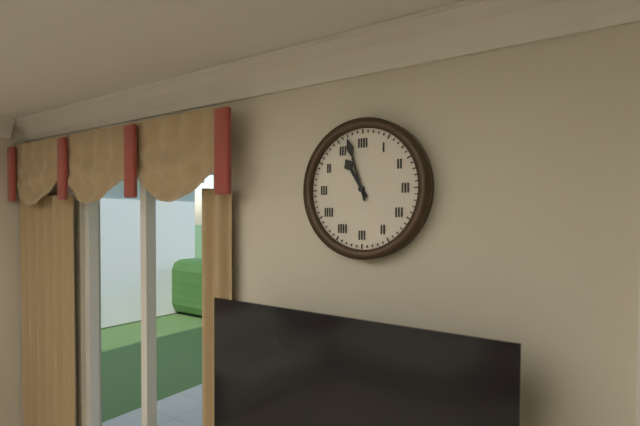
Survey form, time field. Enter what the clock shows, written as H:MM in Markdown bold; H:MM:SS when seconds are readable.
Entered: **10:57**
